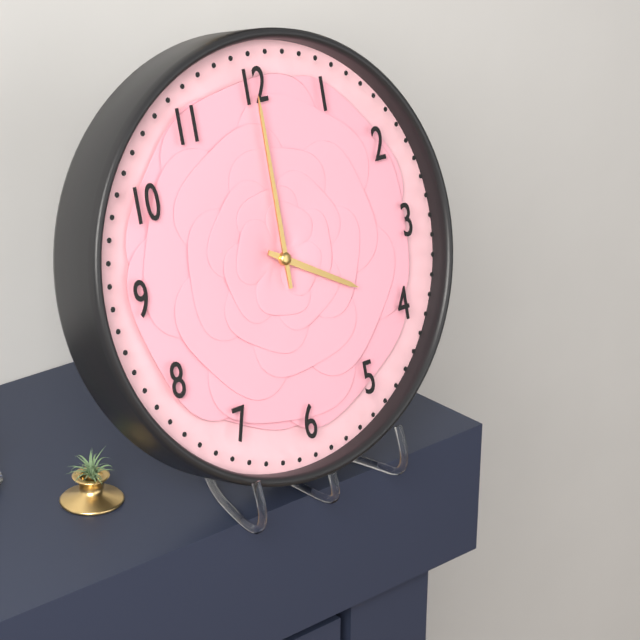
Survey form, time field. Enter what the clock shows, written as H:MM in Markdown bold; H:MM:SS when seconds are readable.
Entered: **4:00**
